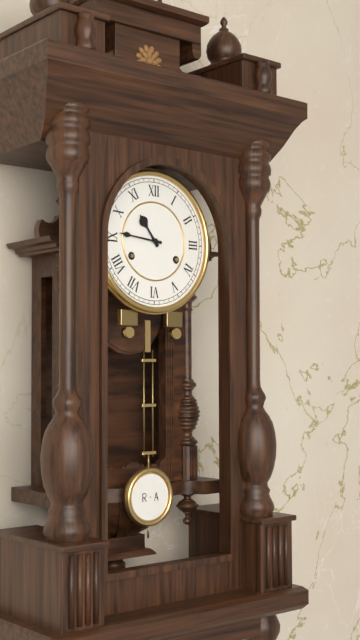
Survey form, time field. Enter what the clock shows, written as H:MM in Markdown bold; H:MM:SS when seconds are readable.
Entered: **10:46**
